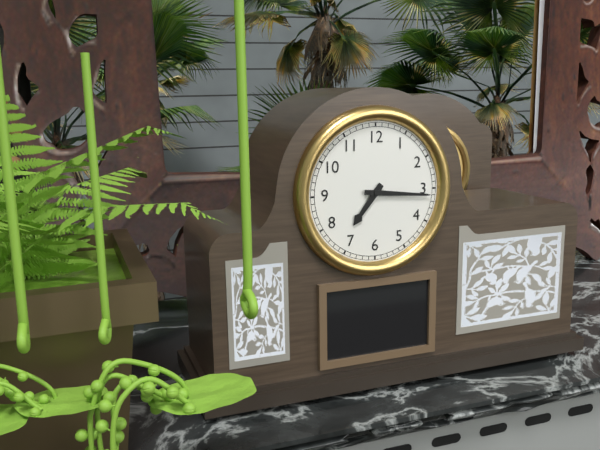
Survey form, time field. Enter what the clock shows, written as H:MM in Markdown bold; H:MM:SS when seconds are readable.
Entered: **7:16**
